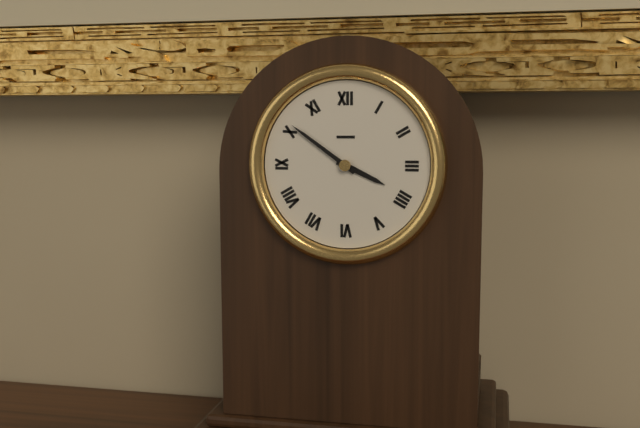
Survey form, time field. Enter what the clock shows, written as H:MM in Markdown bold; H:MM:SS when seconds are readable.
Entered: **3:51**
